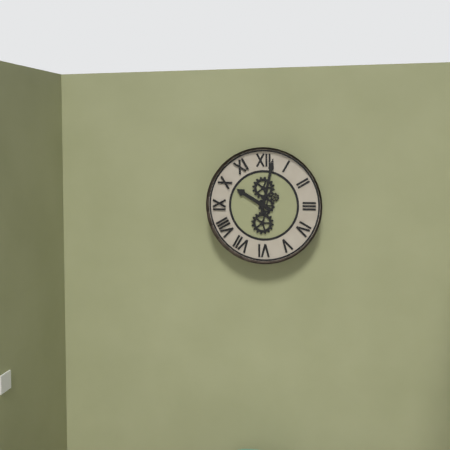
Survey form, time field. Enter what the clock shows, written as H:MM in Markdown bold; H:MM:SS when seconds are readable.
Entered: **10:02**
